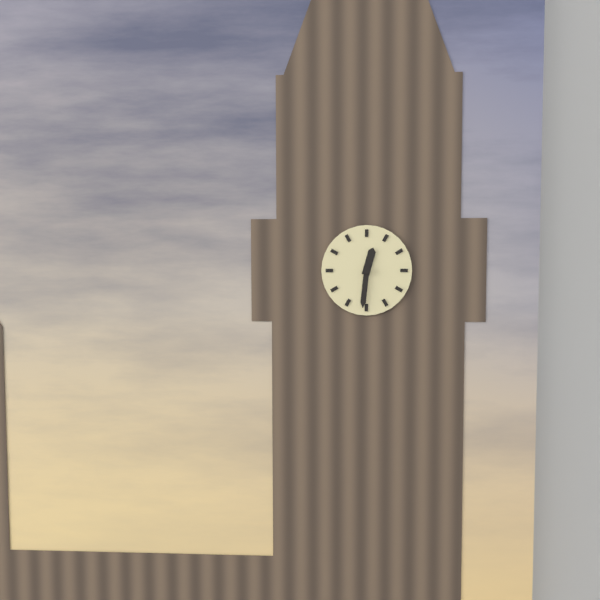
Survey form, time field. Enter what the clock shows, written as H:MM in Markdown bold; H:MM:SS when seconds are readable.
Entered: **12:31**
